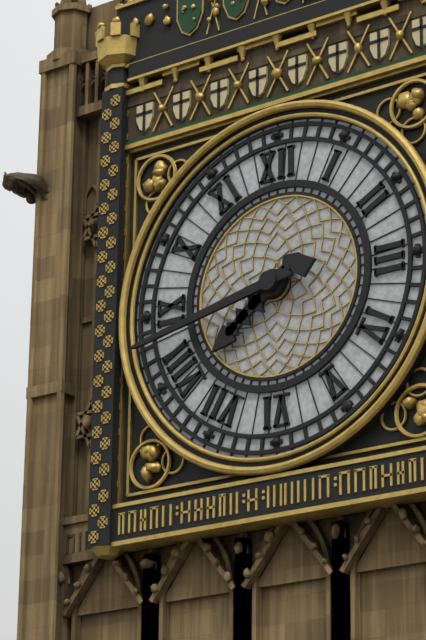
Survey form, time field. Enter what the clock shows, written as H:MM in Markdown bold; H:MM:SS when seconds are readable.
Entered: **7:43**
